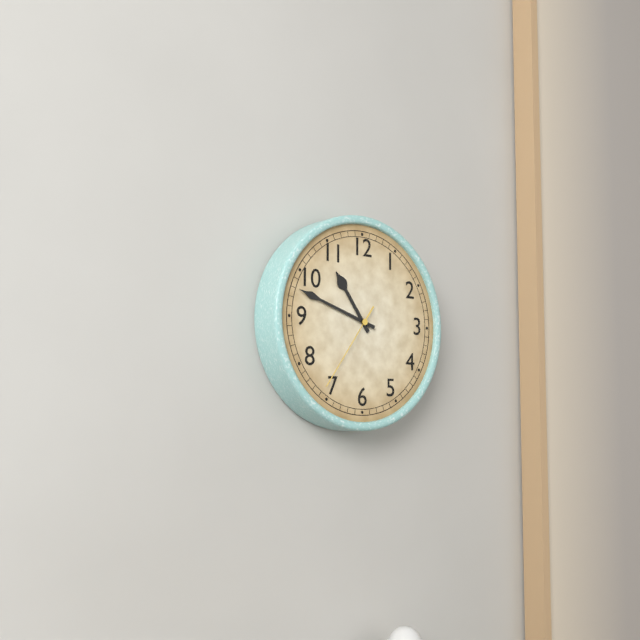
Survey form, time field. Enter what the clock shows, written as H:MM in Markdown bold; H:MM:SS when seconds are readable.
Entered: **10:48:36**
